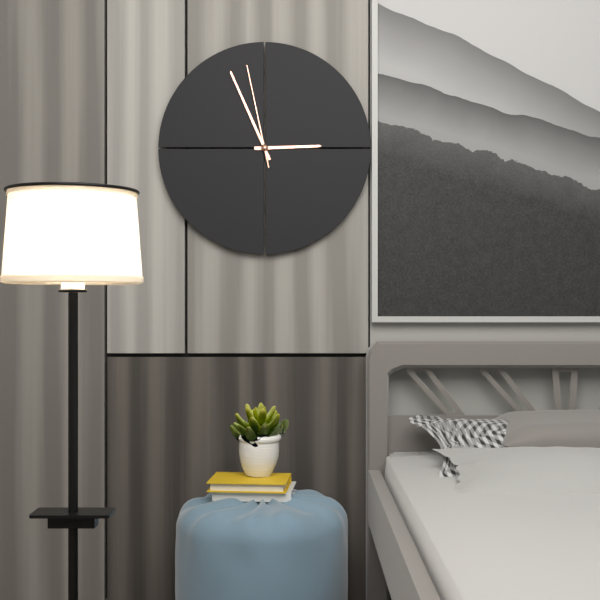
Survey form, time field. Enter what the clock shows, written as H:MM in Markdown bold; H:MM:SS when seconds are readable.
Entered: **2:56:58**
